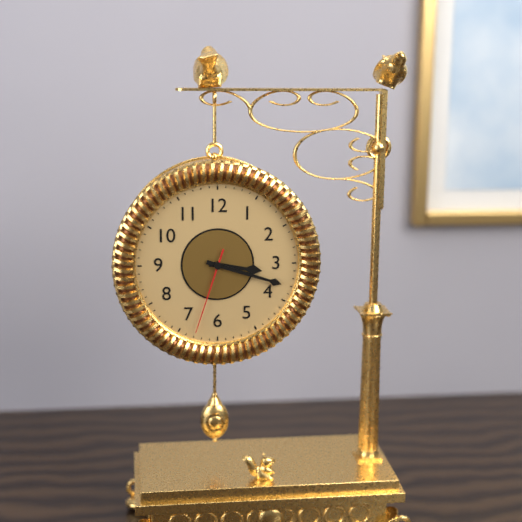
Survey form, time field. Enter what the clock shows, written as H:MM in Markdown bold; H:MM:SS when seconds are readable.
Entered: **3:18:33**
